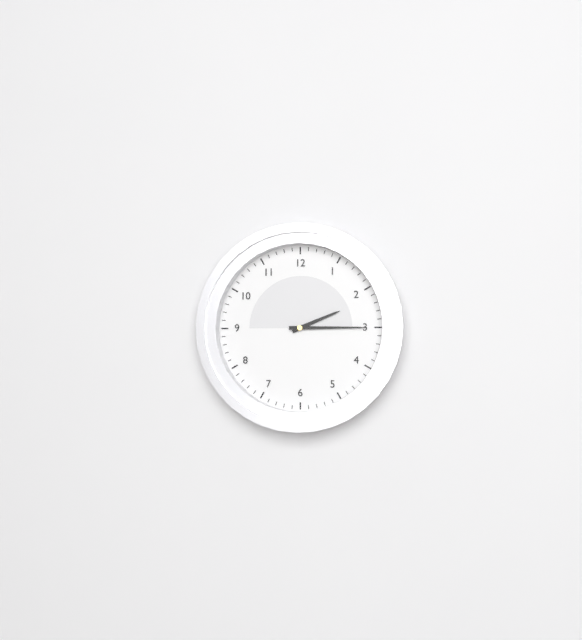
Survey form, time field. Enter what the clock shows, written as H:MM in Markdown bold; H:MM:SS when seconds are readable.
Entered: **2:15**
